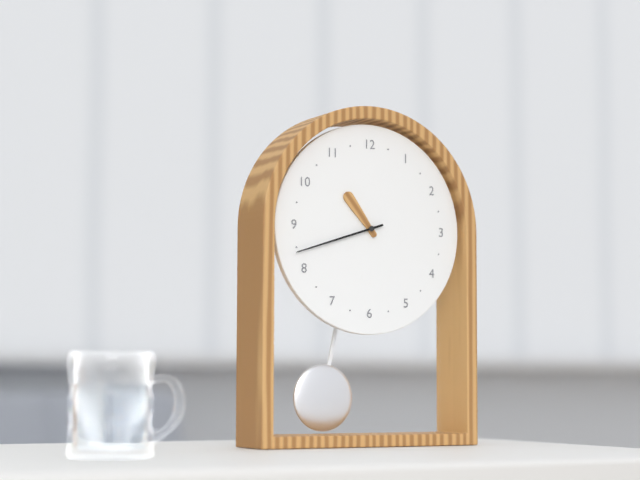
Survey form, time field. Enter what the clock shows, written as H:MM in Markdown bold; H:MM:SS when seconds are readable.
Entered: **10:42**
